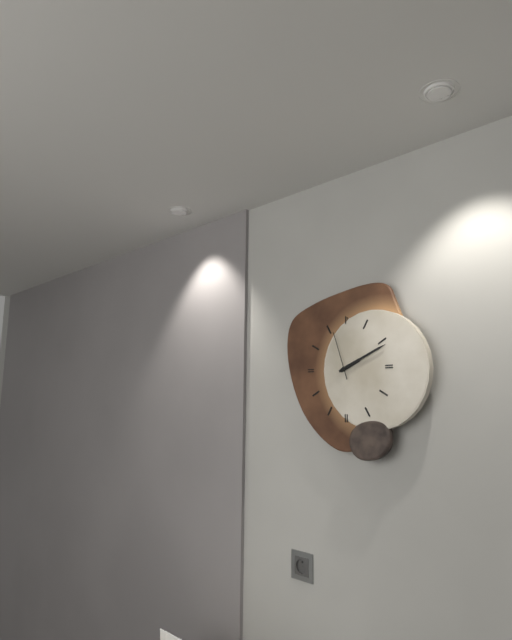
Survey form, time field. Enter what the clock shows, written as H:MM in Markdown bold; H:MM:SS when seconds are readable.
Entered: **2:11**
